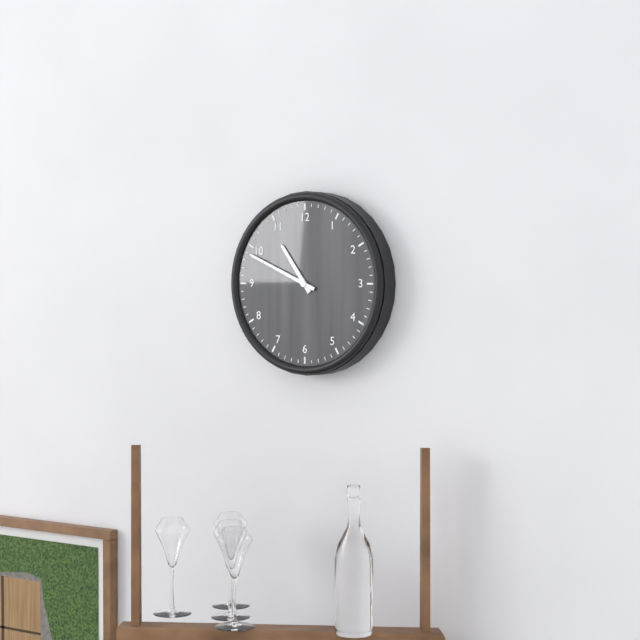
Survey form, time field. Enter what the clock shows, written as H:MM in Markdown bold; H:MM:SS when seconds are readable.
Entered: **10:49**
